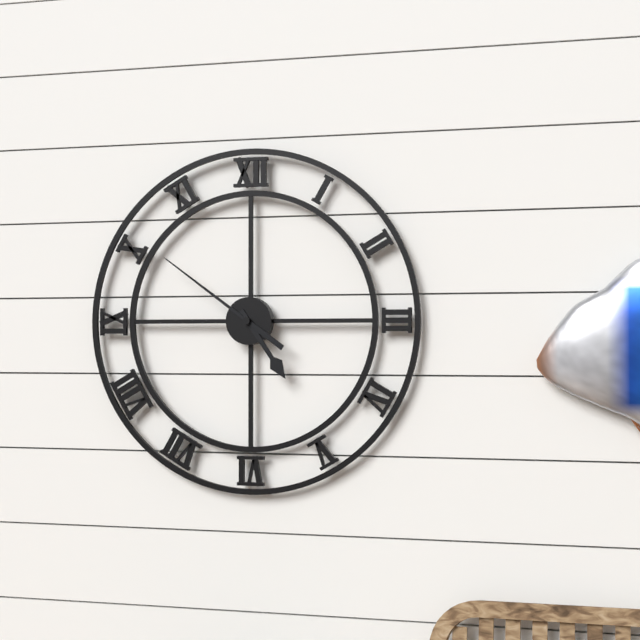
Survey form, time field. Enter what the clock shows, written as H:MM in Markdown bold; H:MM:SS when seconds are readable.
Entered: **4:51**
